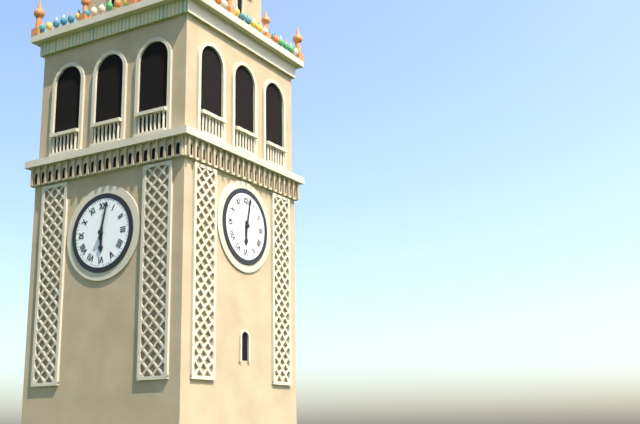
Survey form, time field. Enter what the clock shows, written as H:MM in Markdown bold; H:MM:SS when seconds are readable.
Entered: **6:02**
